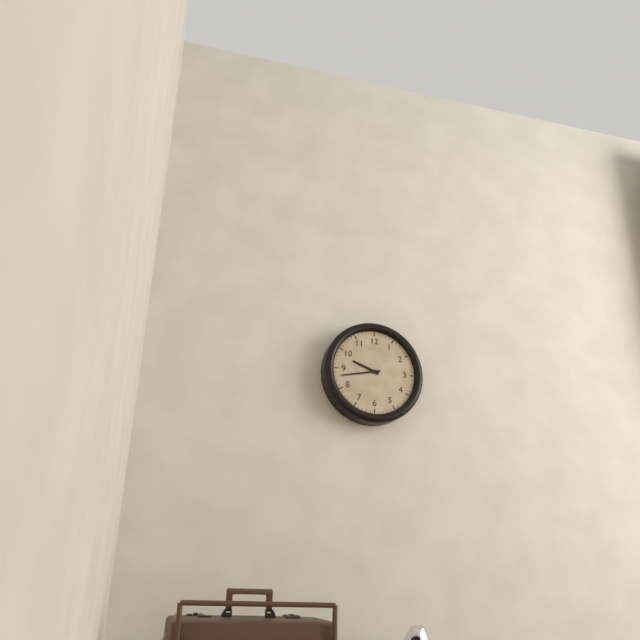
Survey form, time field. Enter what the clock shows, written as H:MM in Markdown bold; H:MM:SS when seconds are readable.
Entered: **9:43**
